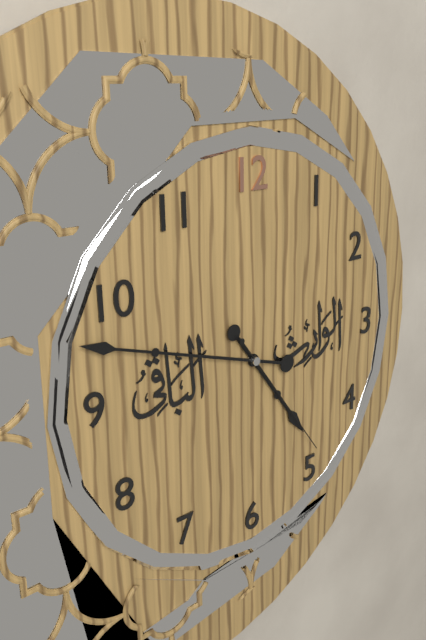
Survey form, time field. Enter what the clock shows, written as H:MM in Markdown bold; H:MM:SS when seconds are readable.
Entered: **4:48:24**
